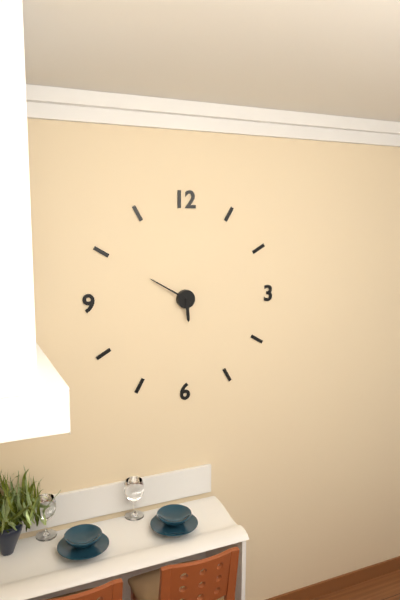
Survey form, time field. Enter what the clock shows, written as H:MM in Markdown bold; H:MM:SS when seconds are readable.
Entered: **5:50**
